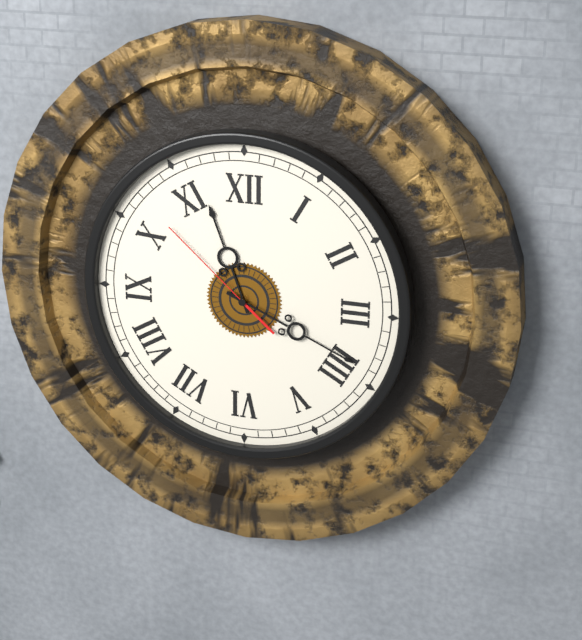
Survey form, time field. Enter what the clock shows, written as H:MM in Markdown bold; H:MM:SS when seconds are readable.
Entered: **11:19:52**
